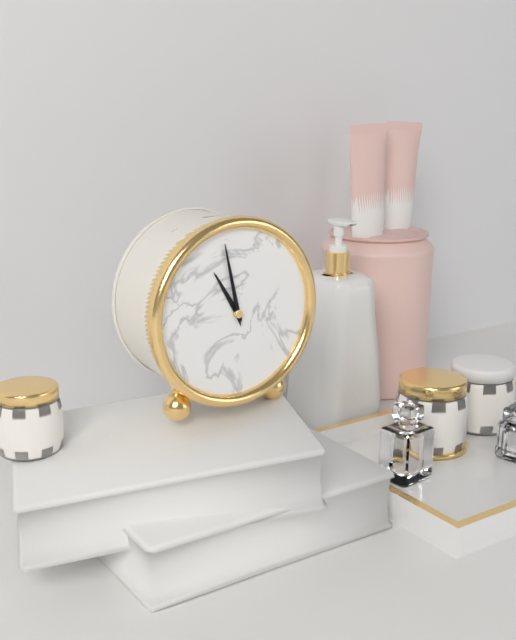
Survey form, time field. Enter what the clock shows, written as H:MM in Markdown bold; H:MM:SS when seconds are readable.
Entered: **10:58**
